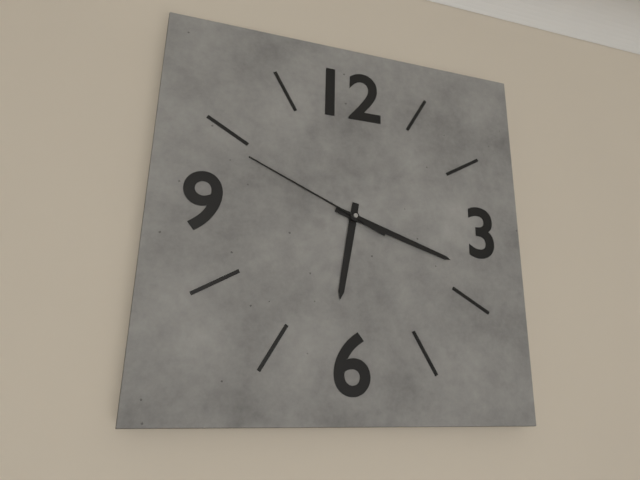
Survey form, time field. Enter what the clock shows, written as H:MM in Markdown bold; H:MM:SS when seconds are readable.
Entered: **6:18:49**
